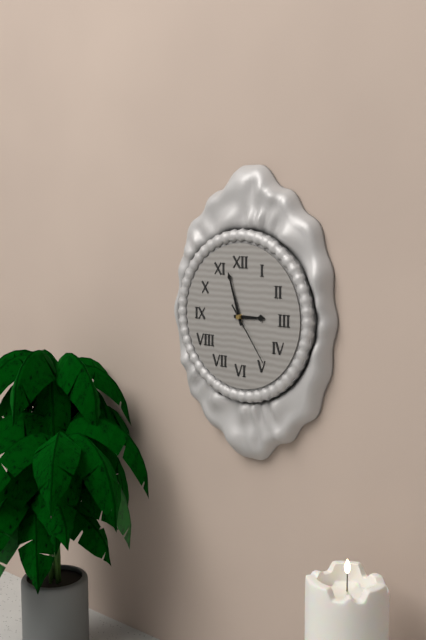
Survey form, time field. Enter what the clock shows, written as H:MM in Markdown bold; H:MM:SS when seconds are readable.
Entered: **2:57:24**
